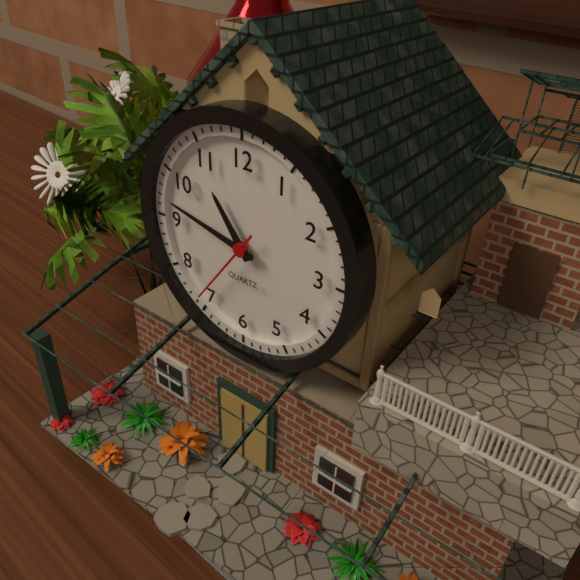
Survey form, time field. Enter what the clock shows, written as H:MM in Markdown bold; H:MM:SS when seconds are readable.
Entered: **10:47:36**
